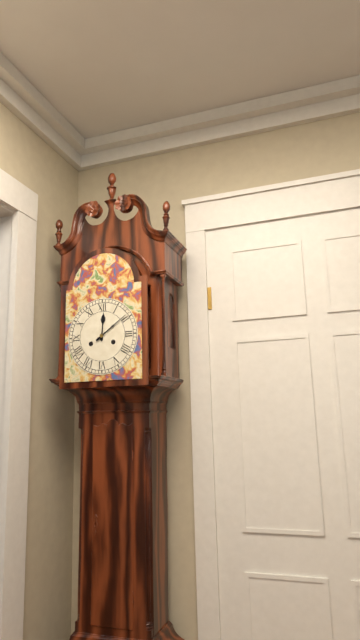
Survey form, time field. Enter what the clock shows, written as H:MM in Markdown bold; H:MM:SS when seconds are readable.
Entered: **12:09**
